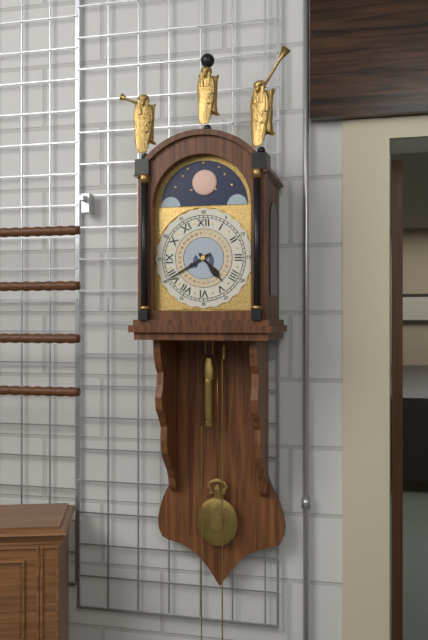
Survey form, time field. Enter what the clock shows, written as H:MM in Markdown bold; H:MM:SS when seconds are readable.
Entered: **4:40**
